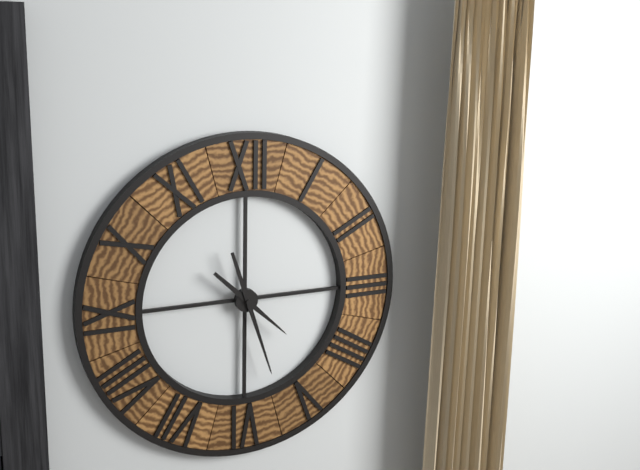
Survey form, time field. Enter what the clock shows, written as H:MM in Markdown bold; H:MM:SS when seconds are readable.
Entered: **4:27**
